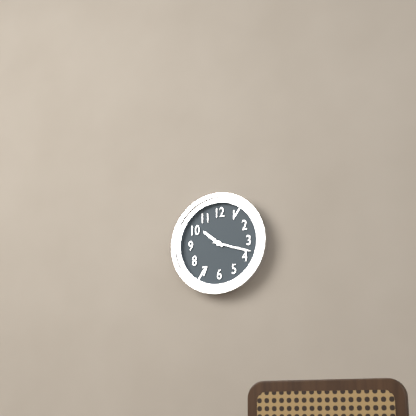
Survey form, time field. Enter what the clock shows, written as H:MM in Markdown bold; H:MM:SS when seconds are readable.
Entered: **10:18**
